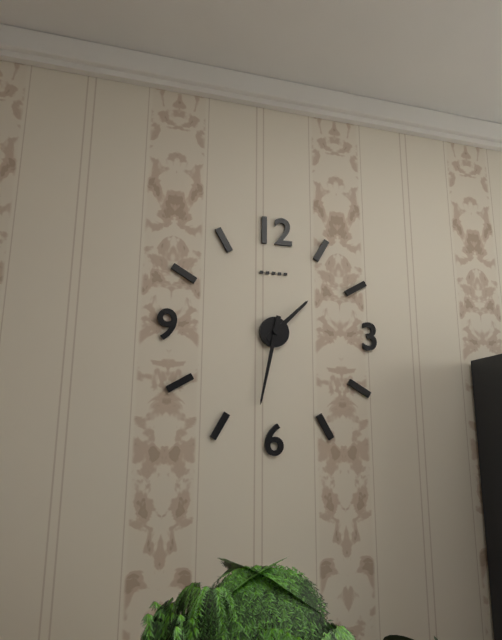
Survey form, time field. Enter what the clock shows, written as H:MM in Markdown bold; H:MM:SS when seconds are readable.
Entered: **1:32**
